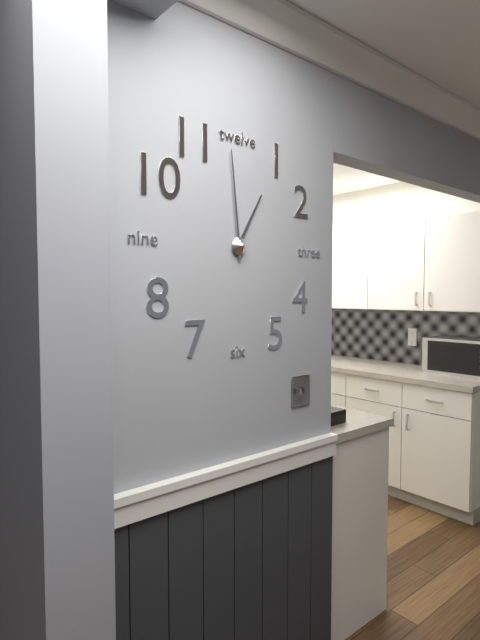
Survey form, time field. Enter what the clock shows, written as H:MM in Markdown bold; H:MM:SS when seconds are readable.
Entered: **12:59**
